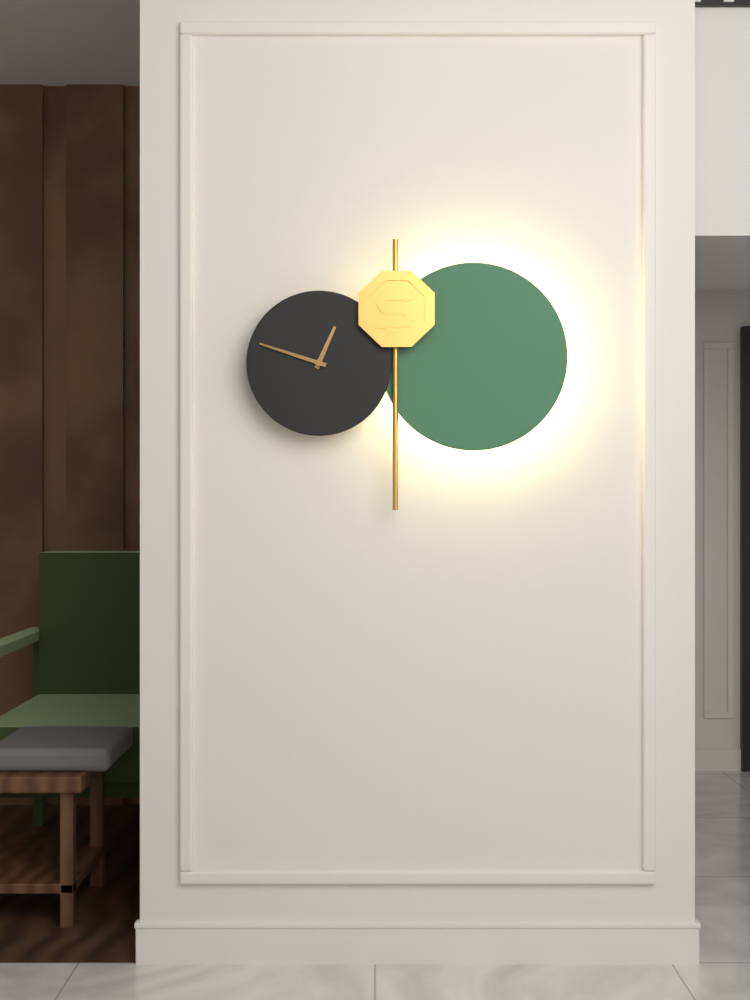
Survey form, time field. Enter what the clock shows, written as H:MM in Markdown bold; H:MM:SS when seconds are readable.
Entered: **12:48**
